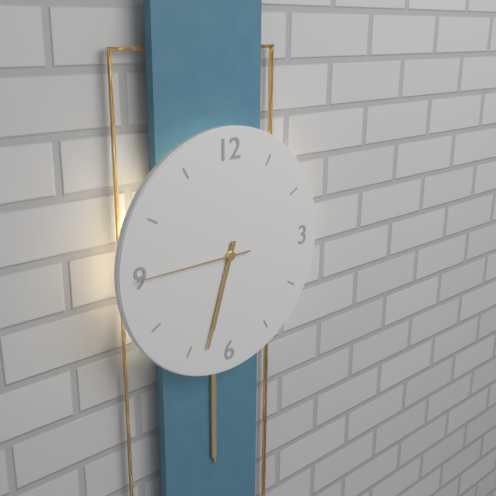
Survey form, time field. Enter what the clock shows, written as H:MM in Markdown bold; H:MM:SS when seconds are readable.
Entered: **6:33:45**
